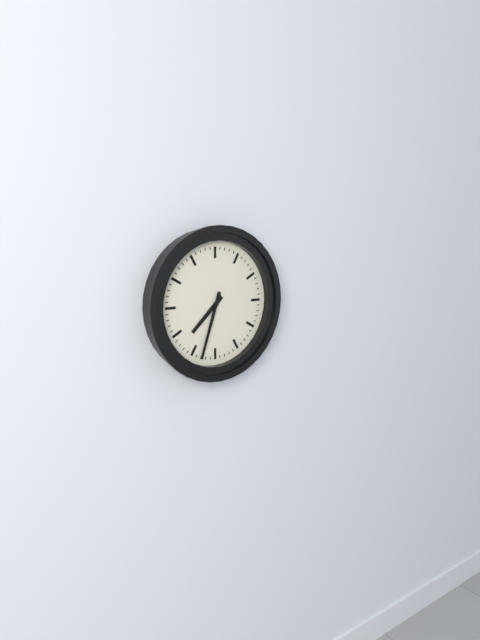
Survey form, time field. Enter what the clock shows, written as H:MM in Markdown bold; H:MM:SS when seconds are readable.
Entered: **7:33**
